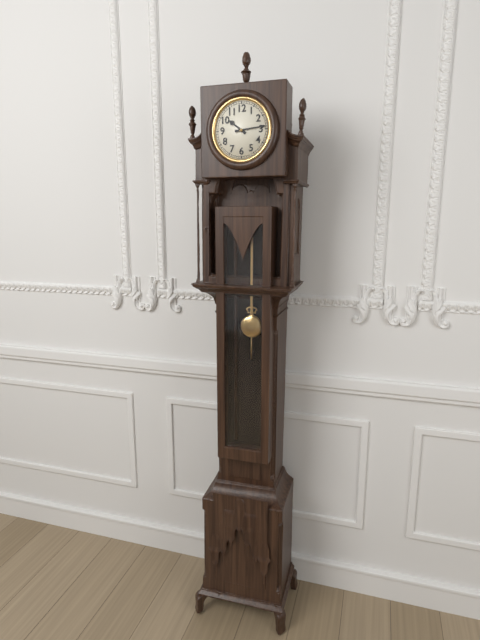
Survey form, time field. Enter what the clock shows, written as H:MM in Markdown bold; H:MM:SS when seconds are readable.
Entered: **10:14**
